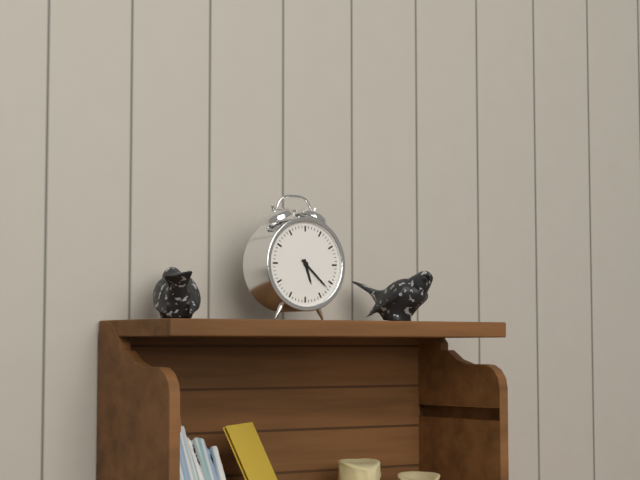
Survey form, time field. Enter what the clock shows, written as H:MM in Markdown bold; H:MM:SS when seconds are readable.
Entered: **5:22**
